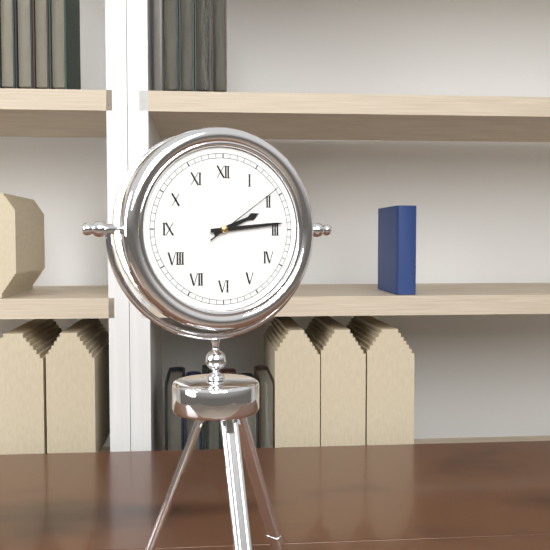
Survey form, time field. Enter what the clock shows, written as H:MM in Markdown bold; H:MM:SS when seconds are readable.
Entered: **2:14:09**
